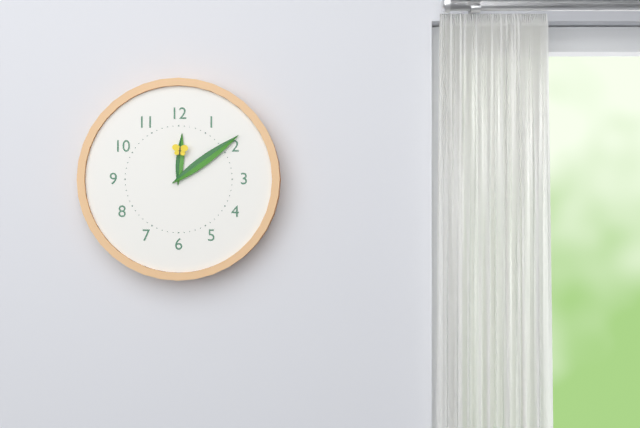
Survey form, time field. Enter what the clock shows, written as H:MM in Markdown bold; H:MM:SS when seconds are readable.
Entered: **12:09**
